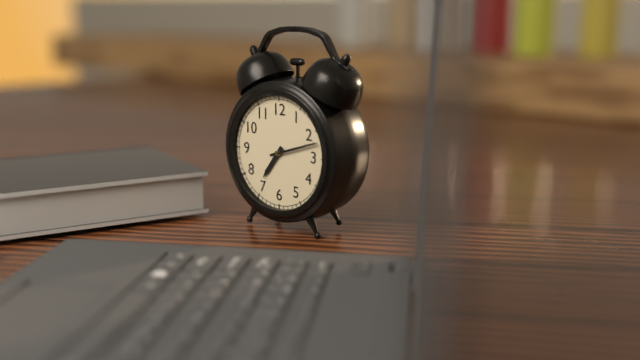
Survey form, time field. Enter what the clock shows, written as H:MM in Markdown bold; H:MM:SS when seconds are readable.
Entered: **7:12**
